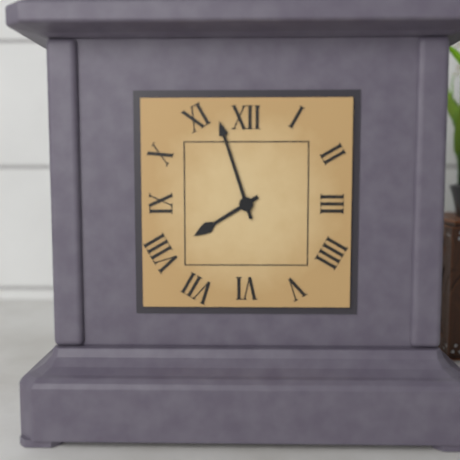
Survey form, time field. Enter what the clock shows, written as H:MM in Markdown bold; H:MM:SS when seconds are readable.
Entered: **7:57**
